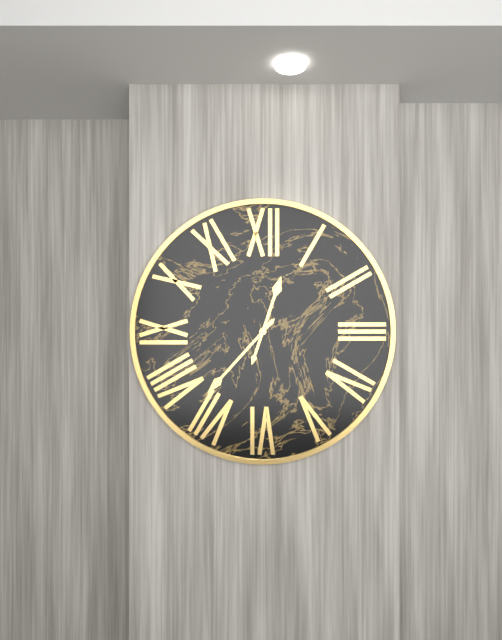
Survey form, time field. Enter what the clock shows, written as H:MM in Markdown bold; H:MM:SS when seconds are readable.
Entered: **12:37**
